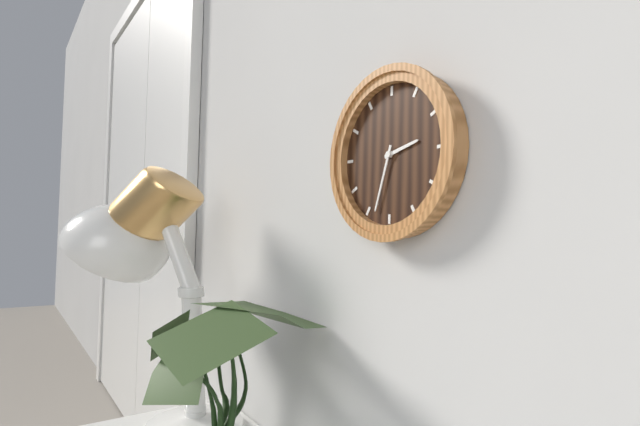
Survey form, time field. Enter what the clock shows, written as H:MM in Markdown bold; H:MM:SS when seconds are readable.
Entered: **2:33**
